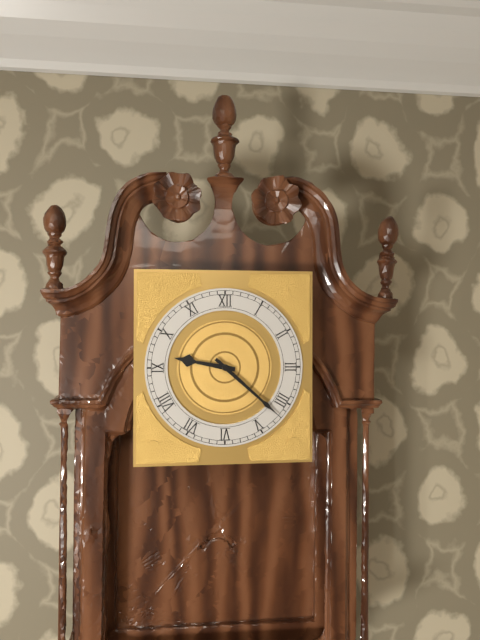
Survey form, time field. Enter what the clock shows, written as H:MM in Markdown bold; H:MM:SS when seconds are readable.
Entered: **9:22**
